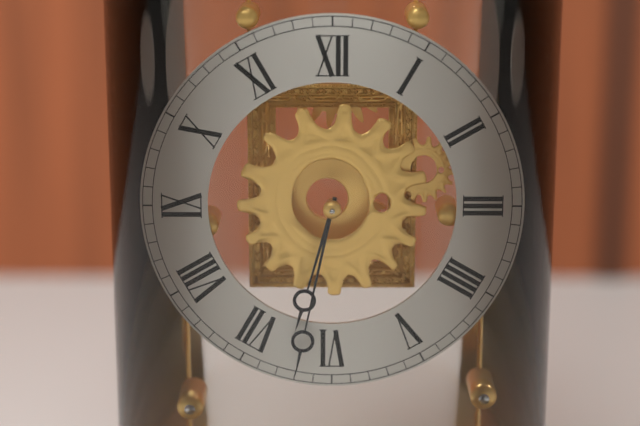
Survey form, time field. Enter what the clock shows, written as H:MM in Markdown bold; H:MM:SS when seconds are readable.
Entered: **6:32**
